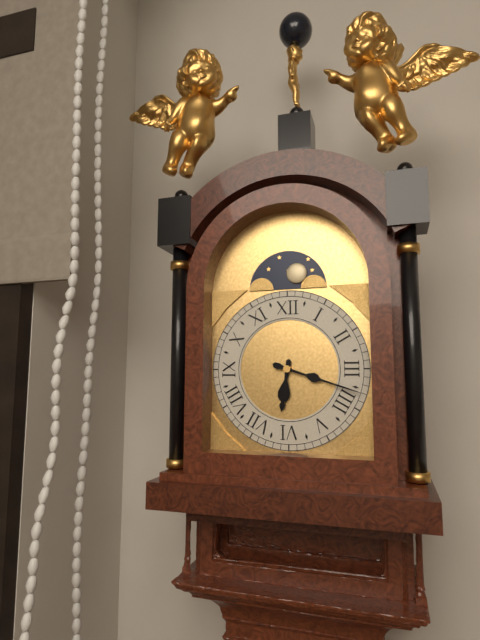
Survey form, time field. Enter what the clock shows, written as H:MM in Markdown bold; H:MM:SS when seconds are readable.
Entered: **6:18**
